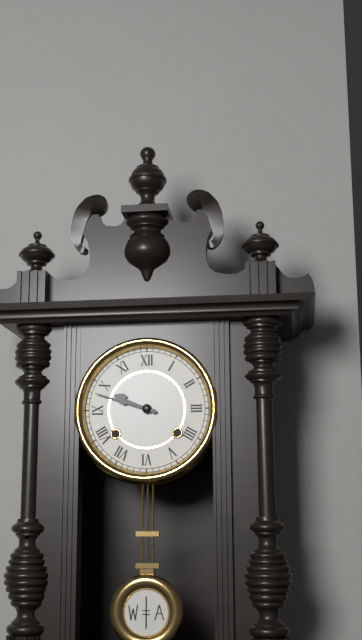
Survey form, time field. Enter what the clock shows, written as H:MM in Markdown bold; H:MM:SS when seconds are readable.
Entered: **9:48**
